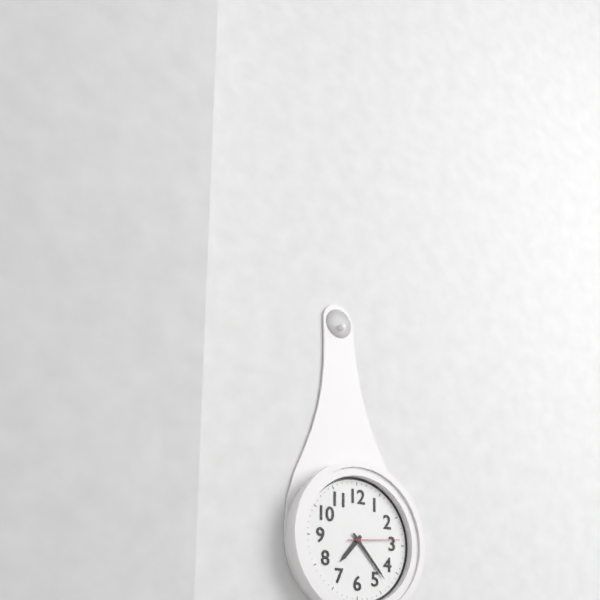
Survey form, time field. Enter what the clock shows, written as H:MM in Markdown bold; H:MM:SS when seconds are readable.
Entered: **7:23:14**
